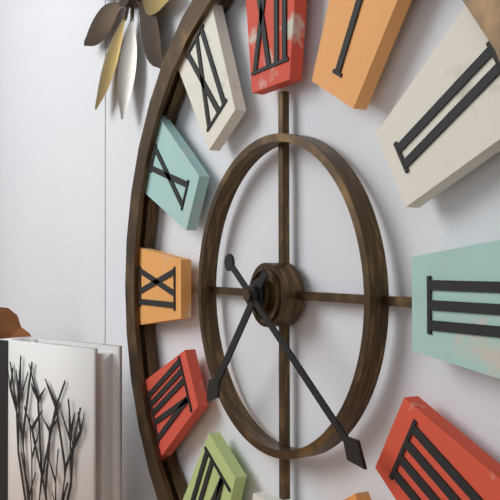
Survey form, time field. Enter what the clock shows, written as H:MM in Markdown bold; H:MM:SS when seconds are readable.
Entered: **7:21**
